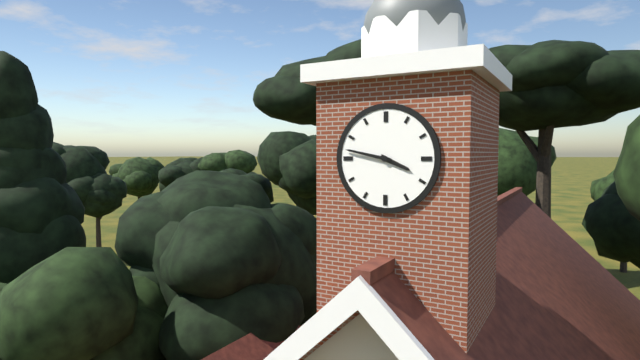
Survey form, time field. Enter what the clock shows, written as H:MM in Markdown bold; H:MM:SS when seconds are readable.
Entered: **3:47**
